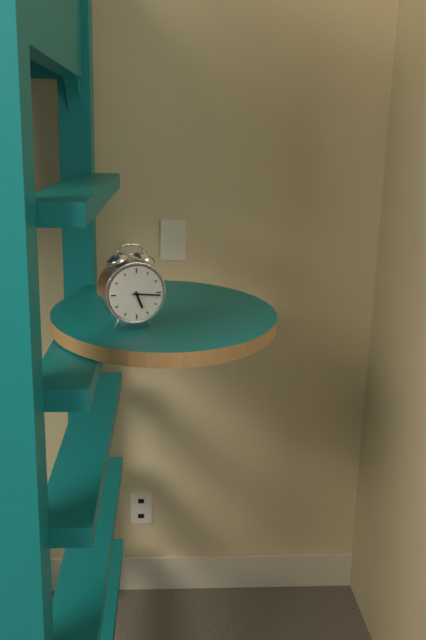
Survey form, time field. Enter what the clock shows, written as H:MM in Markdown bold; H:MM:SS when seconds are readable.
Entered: **5:16**
